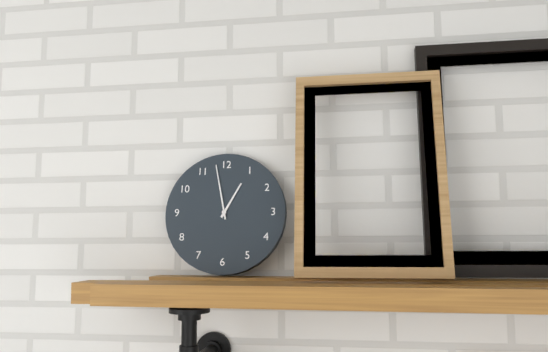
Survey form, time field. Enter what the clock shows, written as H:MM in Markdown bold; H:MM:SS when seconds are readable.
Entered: **12:58**
